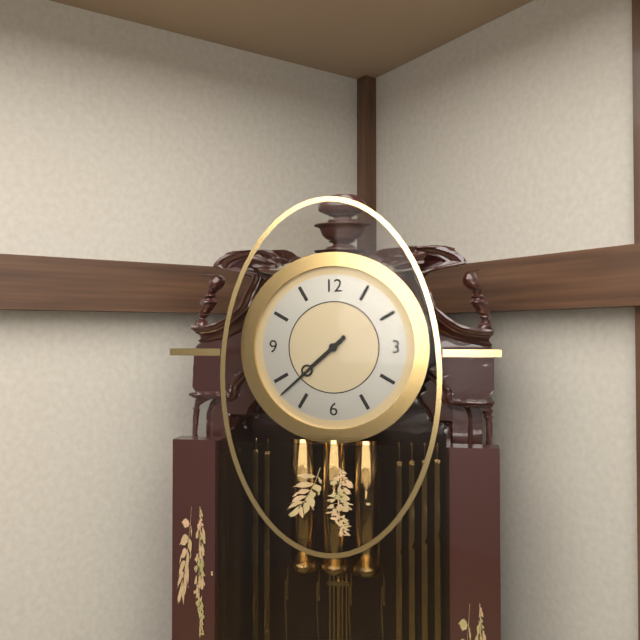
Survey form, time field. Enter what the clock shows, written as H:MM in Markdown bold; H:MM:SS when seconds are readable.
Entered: **7:38**
